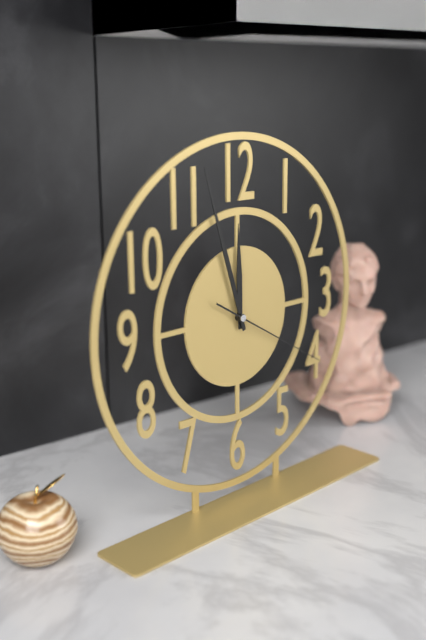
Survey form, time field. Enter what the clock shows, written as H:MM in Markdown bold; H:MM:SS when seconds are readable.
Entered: **11:57:20**
